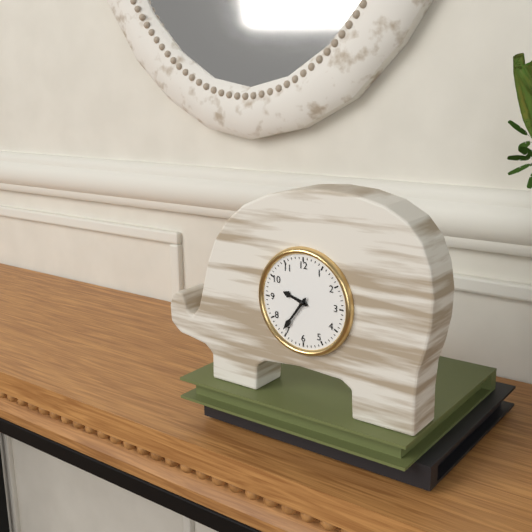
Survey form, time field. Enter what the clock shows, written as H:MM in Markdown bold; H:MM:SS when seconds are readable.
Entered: **9:36**
